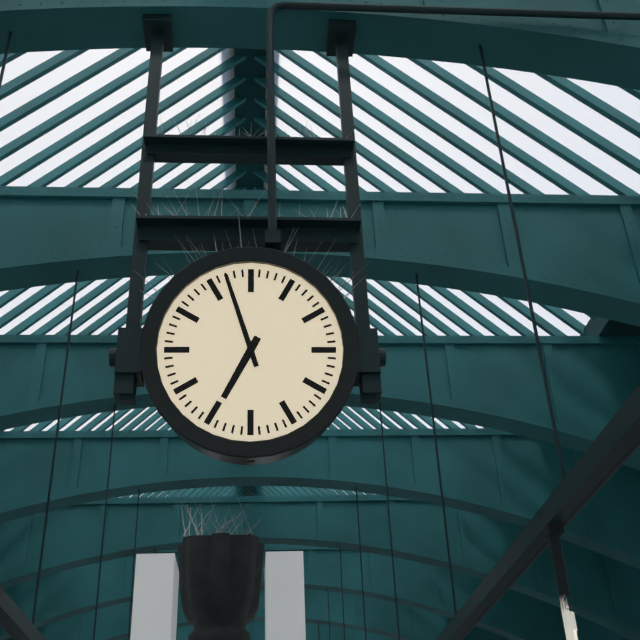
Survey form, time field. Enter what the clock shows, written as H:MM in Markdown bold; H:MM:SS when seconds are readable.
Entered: **6:57**
